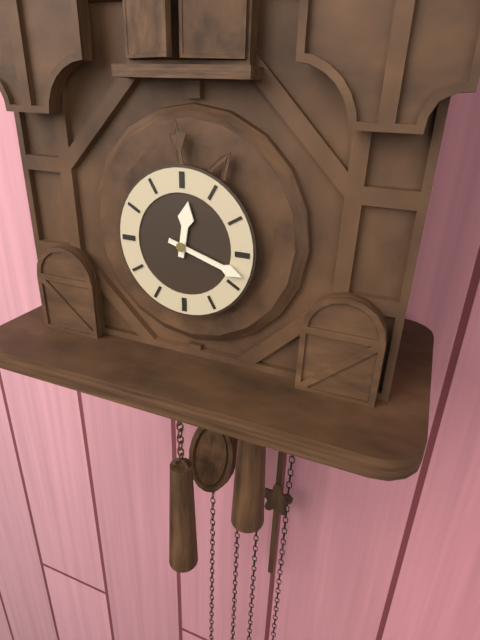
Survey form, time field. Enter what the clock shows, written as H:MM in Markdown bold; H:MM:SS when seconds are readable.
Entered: **12:18**
